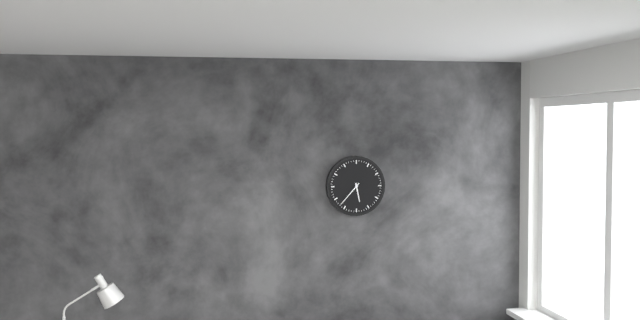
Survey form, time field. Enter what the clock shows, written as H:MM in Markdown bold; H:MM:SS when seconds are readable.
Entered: **5:37**
